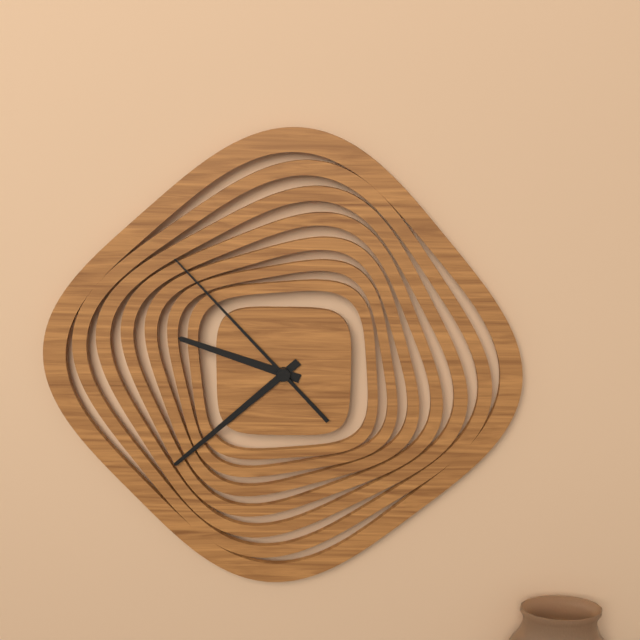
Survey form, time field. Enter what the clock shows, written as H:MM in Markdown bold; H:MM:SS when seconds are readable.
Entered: **9:38:53**
